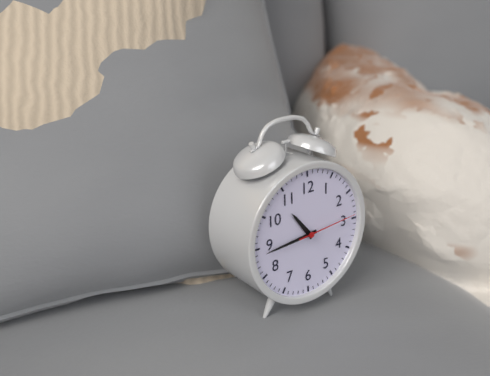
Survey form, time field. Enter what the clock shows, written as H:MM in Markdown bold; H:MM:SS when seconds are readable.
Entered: **10:44:14**
